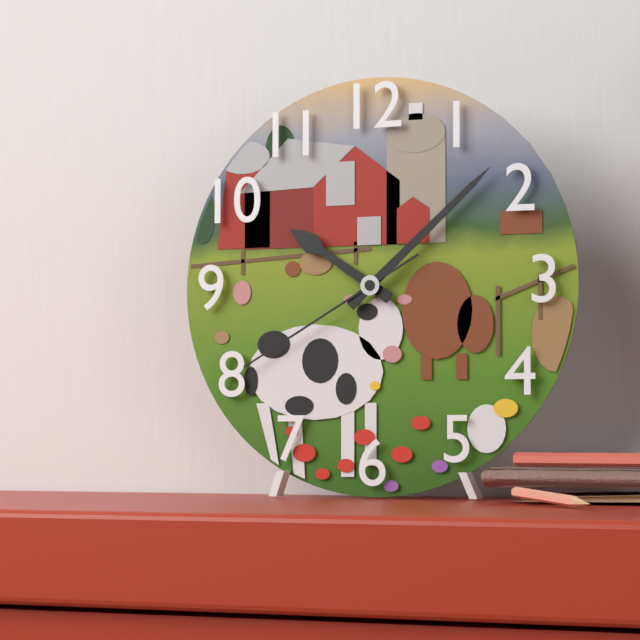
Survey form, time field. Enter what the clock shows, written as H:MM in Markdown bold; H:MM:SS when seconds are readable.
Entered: **10:08:40**
